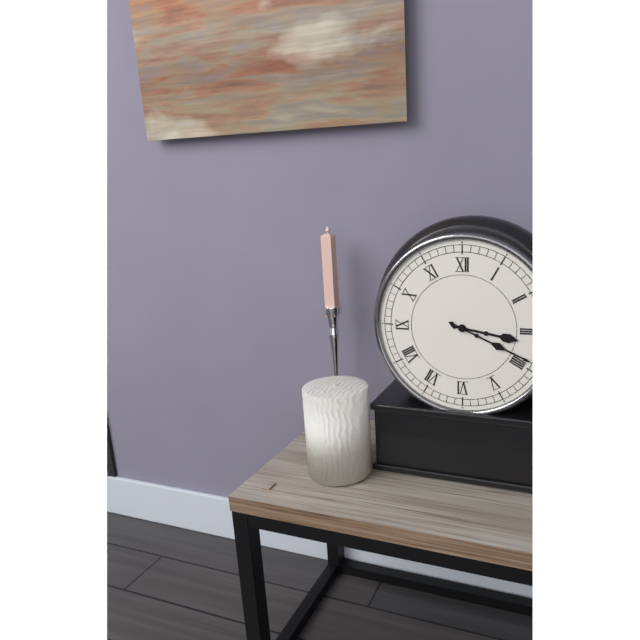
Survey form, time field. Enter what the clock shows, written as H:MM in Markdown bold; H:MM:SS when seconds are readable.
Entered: **3:19**
